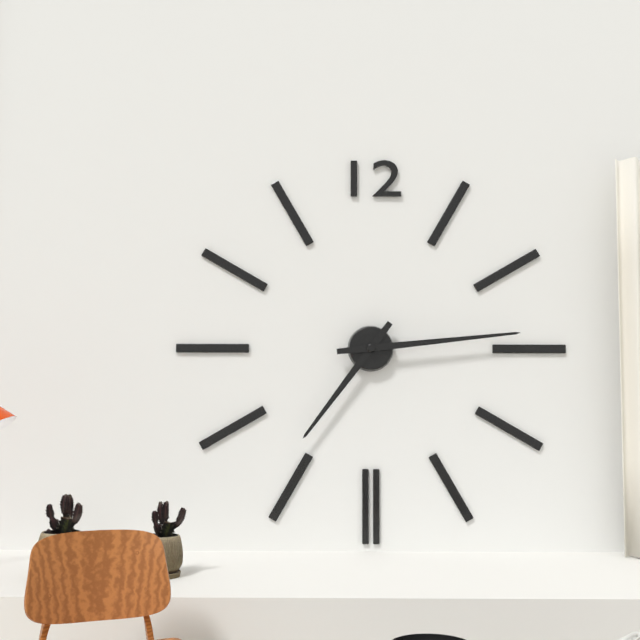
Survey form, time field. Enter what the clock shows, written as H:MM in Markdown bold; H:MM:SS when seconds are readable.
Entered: **7:14**
